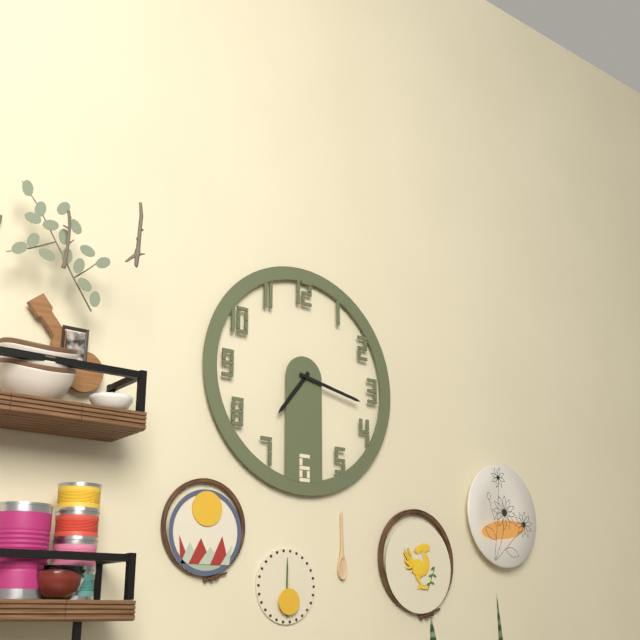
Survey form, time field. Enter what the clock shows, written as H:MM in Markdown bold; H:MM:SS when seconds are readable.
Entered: **7:17**
